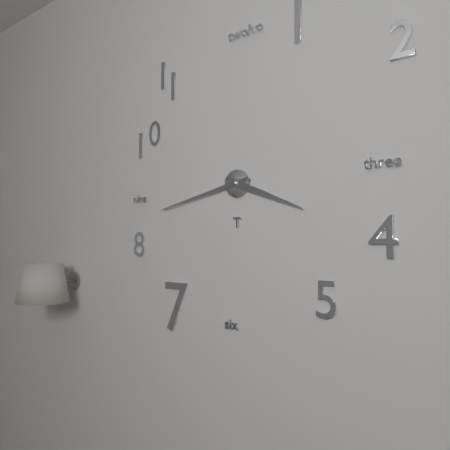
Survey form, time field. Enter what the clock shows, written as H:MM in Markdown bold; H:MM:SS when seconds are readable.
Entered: **3:43**
